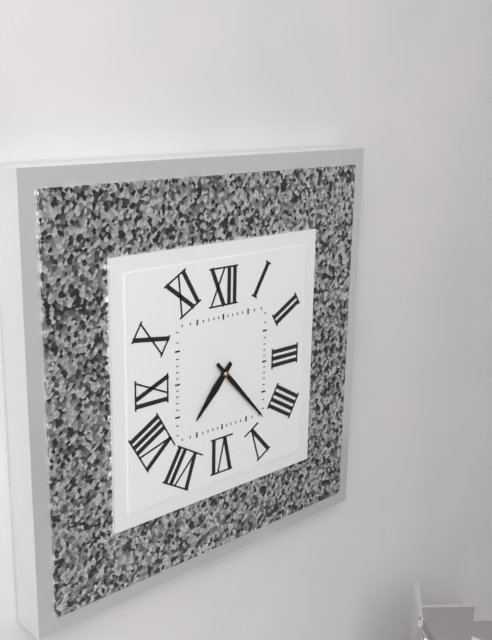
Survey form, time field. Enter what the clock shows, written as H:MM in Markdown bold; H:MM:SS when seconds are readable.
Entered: **7:23**
